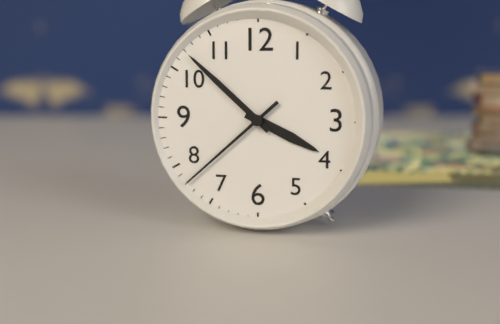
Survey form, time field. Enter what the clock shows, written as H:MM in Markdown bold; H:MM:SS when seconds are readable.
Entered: **3:52:38**
